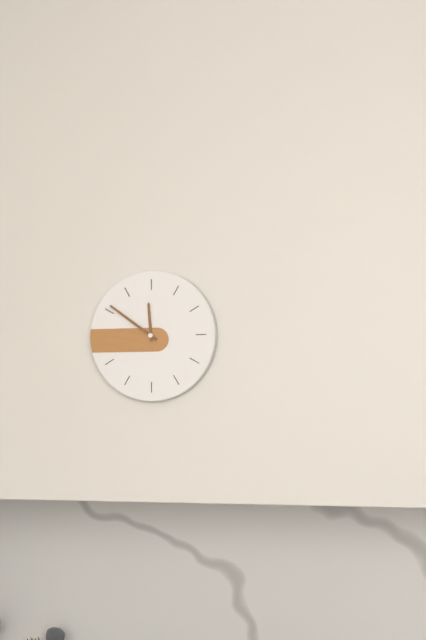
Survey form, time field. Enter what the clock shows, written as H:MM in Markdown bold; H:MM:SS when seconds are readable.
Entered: **11:51**
